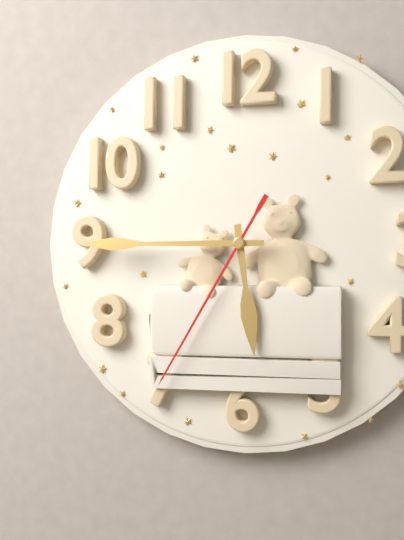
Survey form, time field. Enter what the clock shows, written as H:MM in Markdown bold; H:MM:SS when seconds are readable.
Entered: **5:45:35**
